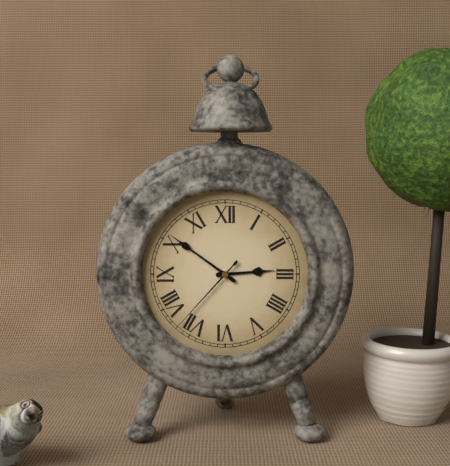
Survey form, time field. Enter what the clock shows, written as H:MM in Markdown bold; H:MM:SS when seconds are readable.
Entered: **2:51:37**
